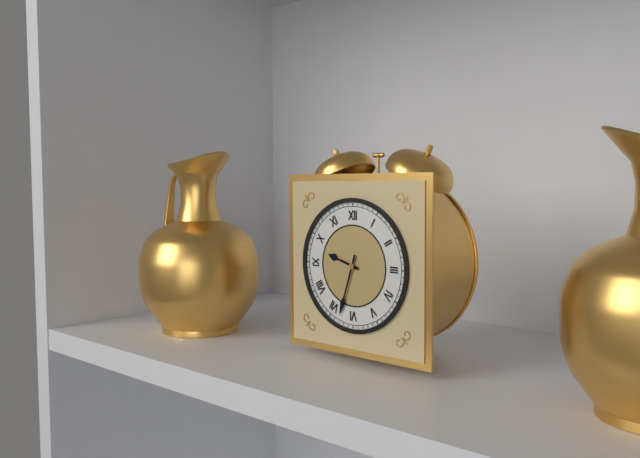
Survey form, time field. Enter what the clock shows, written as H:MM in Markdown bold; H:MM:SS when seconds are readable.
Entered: **9:33**
